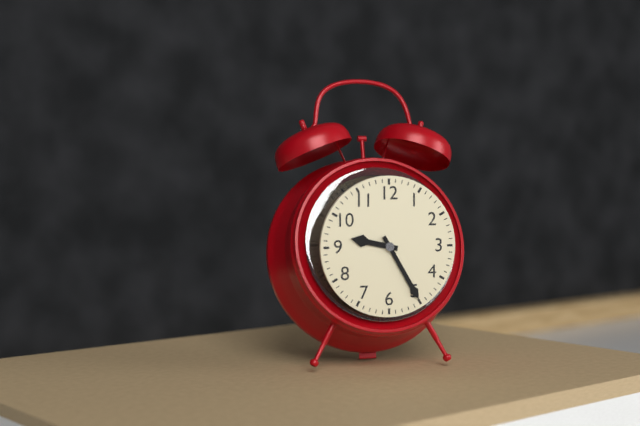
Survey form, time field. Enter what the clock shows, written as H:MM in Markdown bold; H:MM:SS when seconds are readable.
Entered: **9:25**
